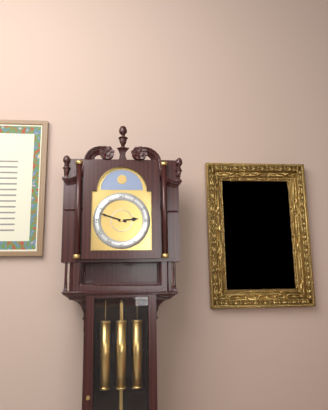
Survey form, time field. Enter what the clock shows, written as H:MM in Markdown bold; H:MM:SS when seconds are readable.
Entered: **2:48**
